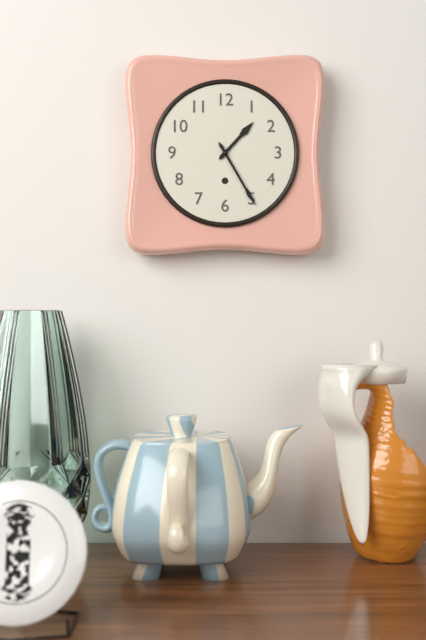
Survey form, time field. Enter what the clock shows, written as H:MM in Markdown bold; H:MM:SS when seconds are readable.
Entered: **1:25**
